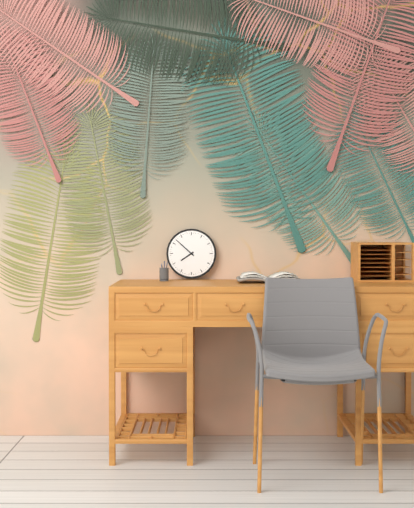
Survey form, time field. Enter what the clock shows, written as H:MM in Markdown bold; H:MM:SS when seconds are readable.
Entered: **7:52**
